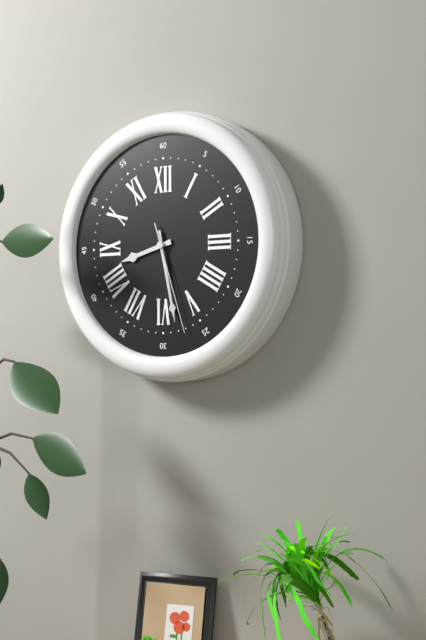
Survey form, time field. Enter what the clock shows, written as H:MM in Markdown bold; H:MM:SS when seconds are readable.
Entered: **8:28:27**
